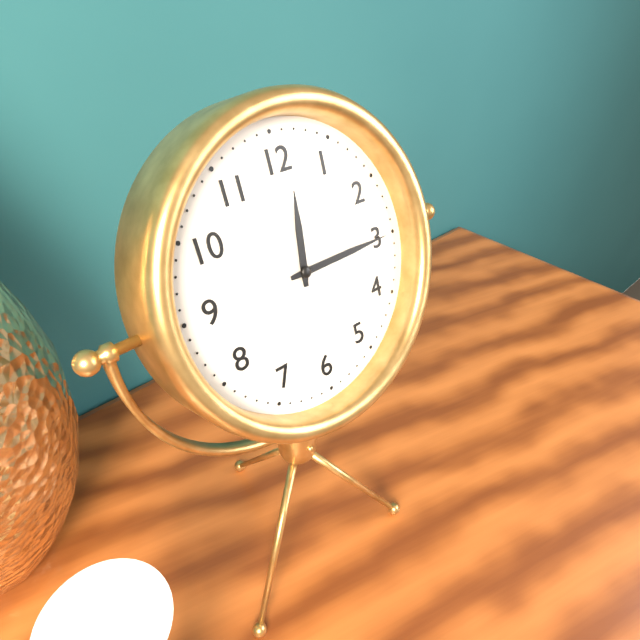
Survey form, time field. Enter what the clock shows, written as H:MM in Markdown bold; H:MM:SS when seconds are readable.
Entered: **12:15**
